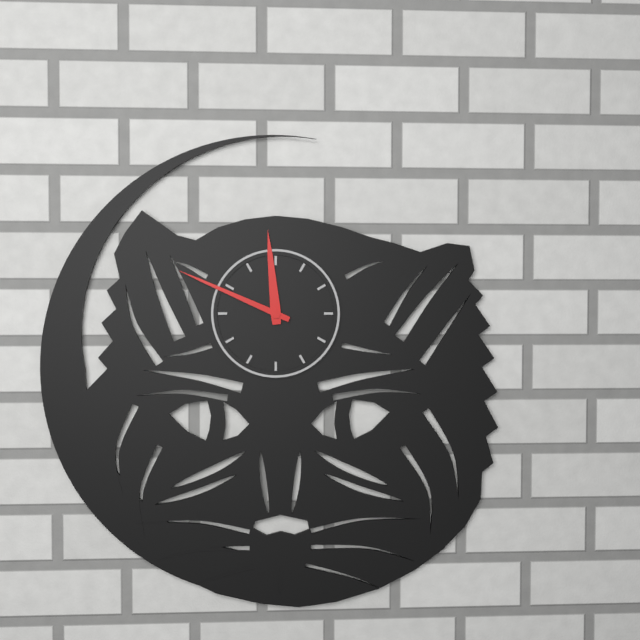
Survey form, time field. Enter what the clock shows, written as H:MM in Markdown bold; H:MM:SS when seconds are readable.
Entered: **11:49**
